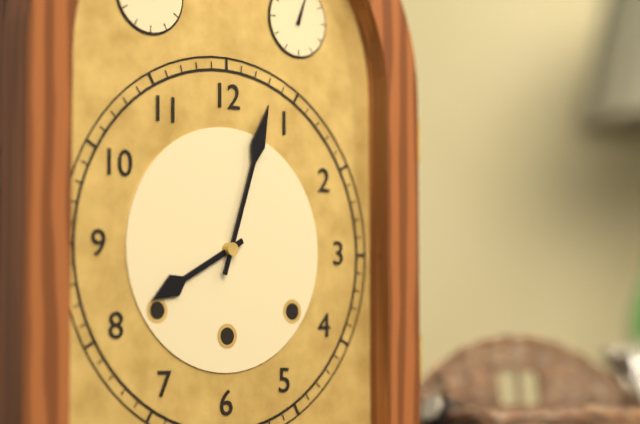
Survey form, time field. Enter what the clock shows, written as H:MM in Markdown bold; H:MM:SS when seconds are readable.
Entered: **8:03**
